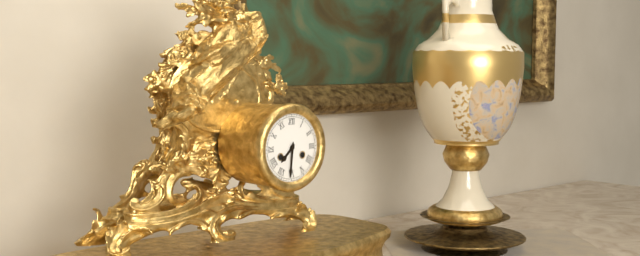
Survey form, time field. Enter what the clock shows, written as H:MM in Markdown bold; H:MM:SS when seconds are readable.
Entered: **7:31**
